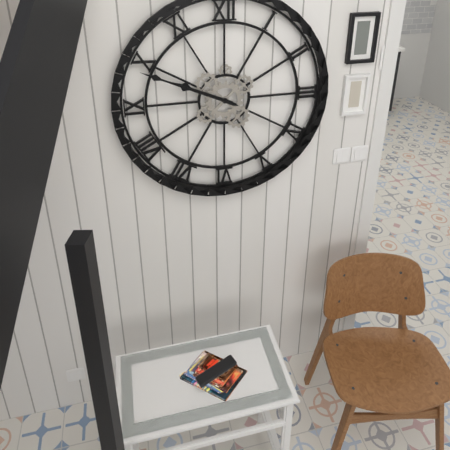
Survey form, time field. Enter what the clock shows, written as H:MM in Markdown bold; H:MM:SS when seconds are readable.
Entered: **9:49**
